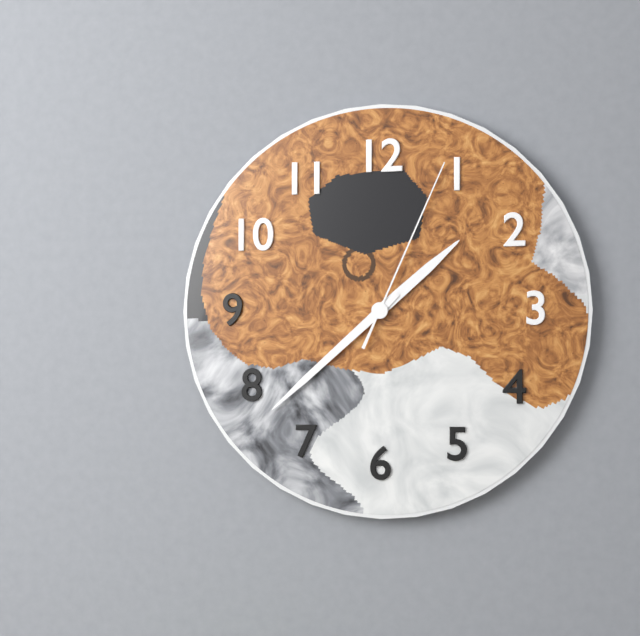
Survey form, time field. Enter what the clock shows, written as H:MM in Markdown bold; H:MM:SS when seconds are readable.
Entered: **1:38:04**
